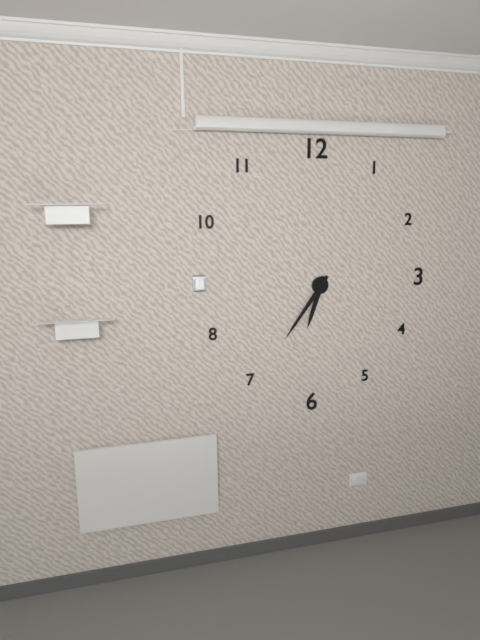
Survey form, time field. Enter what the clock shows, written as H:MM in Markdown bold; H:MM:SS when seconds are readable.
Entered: **6:36**
